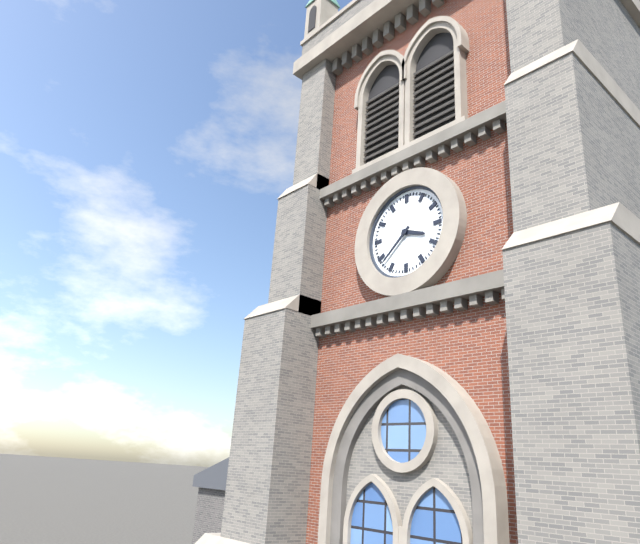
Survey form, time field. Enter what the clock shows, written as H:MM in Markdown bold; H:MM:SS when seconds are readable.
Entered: **3:38**
